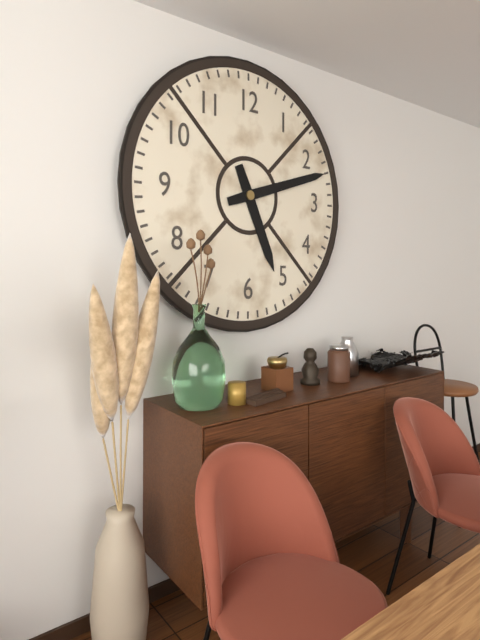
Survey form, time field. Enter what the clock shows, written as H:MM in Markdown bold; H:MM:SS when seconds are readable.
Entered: **5:12**
